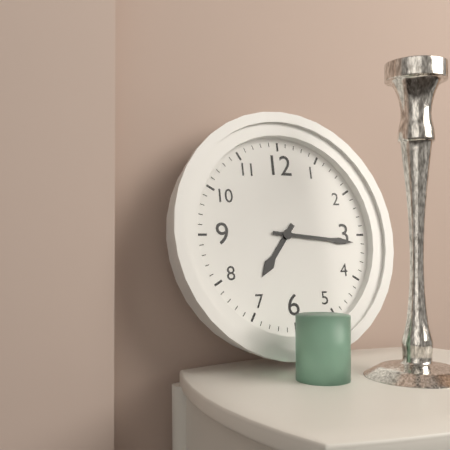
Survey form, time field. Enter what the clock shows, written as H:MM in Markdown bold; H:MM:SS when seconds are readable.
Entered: **7:16**
